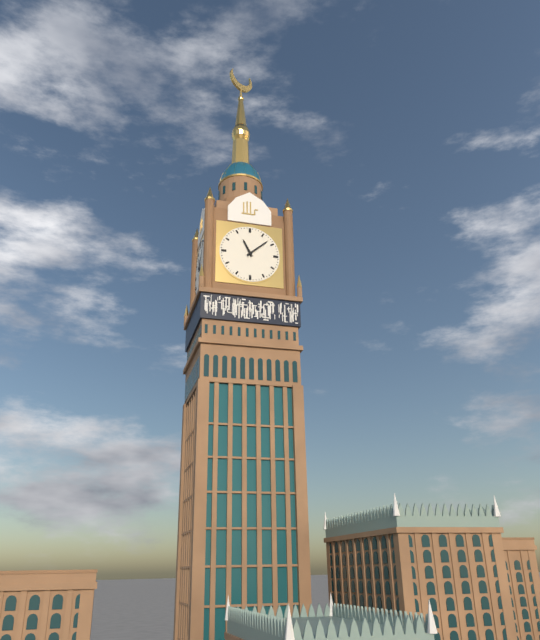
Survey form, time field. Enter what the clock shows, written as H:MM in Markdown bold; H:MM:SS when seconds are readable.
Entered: **11:08**
